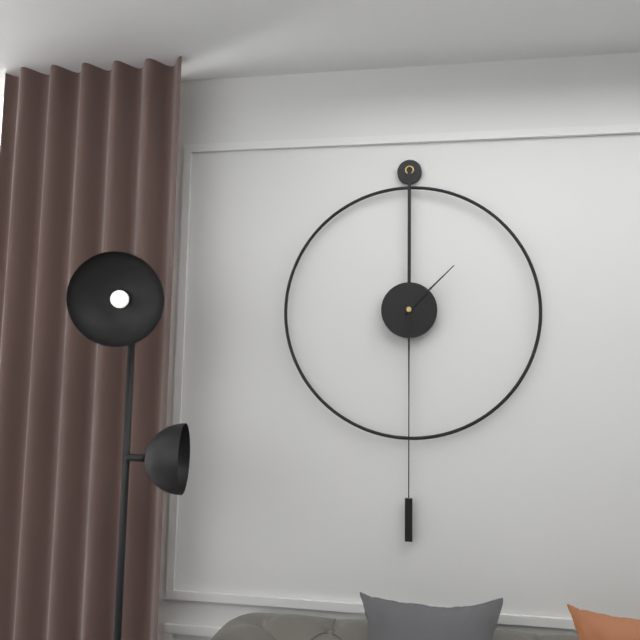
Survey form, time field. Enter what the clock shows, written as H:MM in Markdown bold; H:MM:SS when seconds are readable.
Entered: **1:30**
